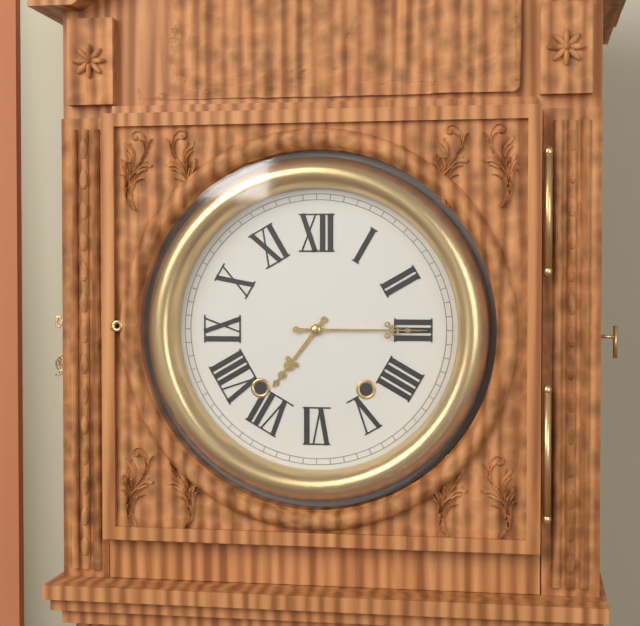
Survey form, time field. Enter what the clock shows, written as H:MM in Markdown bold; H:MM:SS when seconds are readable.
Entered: **7:15**
